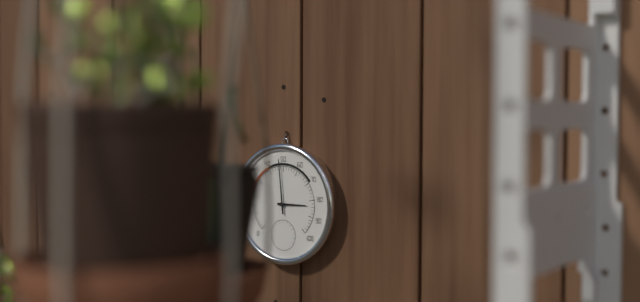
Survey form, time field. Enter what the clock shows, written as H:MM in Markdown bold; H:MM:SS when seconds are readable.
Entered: **2:59**
